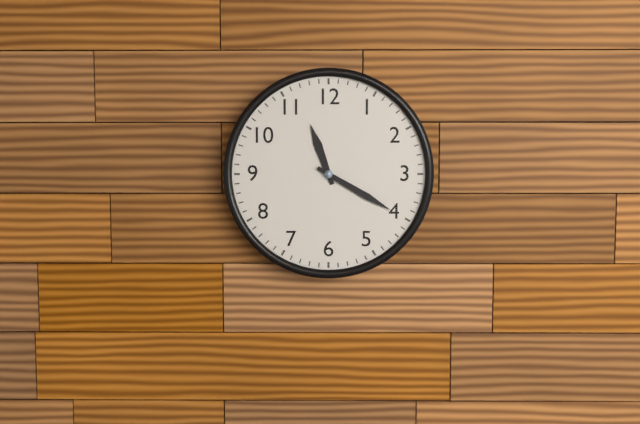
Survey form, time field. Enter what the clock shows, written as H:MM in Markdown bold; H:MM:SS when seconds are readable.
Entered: **11:20**
